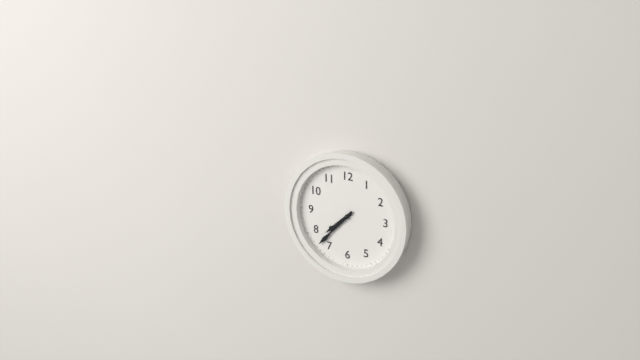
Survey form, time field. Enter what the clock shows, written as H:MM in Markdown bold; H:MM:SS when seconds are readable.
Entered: **7:37**
